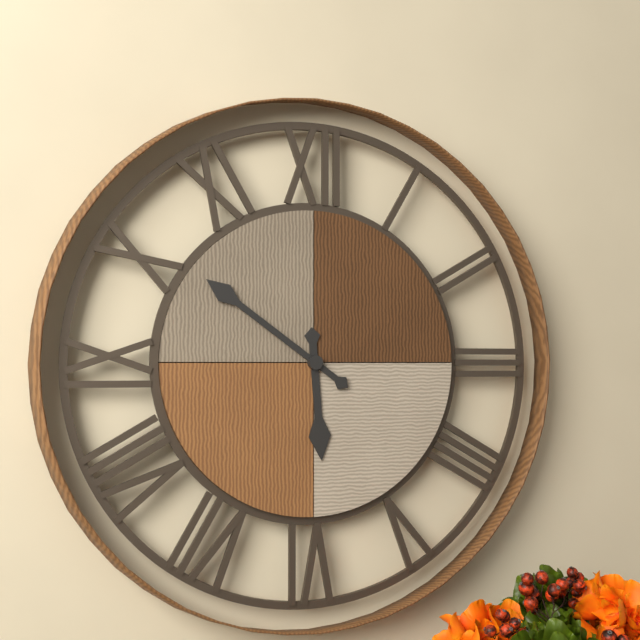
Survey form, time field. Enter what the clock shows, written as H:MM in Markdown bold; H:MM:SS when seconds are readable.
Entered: **5:51**
